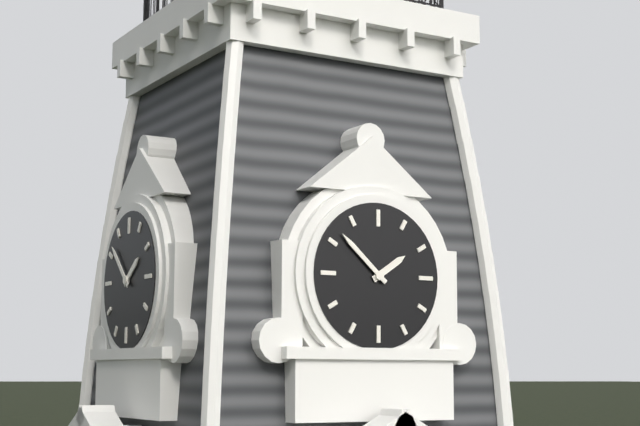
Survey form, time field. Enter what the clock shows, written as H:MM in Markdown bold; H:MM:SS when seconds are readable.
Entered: **1:52**
